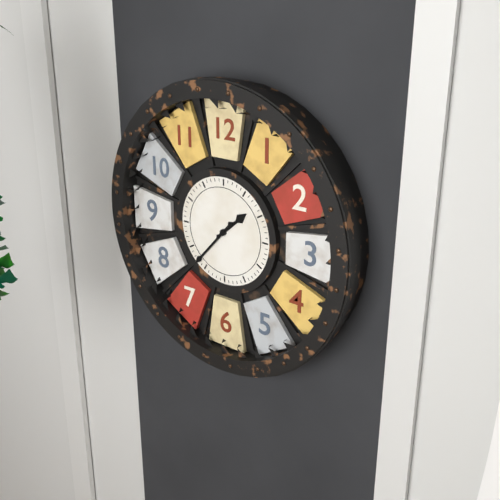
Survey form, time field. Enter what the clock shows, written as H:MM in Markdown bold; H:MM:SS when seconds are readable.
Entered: **1:37**
